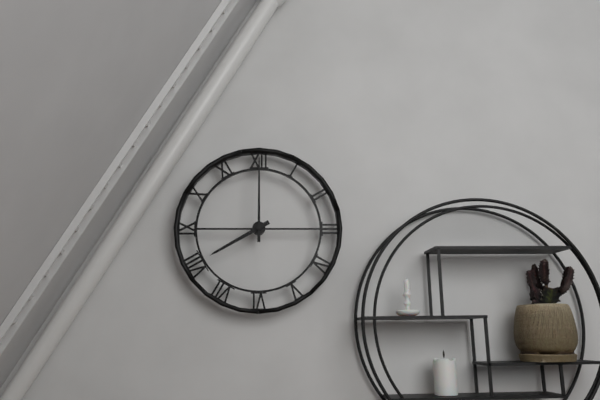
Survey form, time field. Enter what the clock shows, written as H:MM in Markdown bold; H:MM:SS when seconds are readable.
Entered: **8:00**
